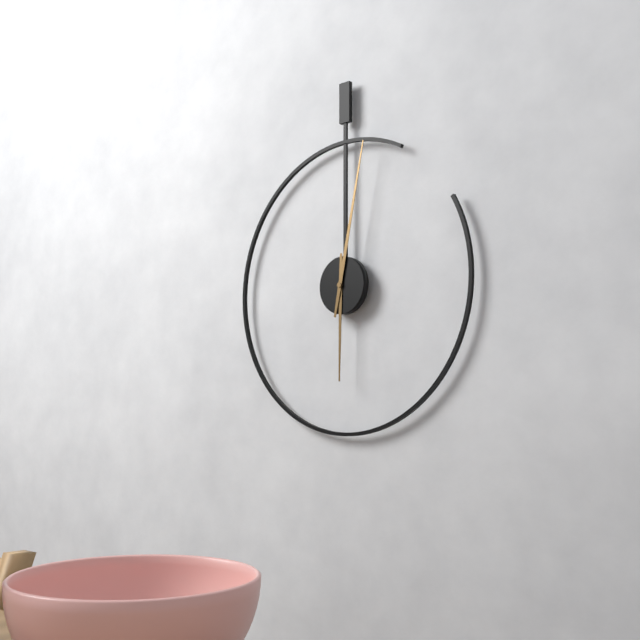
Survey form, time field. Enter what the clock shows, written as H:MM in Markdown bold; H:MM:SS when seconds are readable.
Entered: **6:02**
